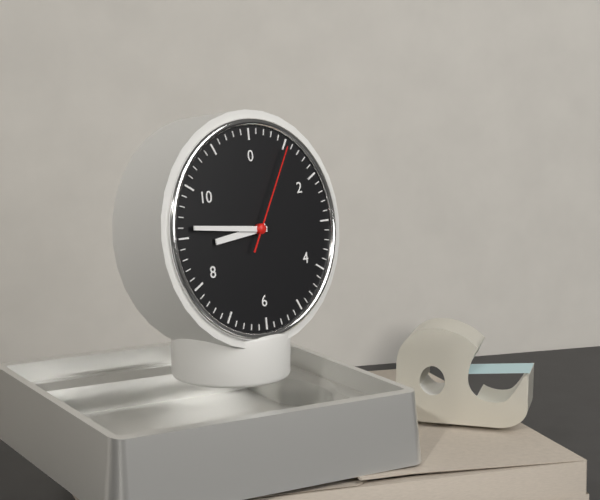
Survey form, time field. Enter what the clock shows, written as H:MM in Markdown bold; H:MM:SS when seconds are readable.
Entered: **8:46:05**
